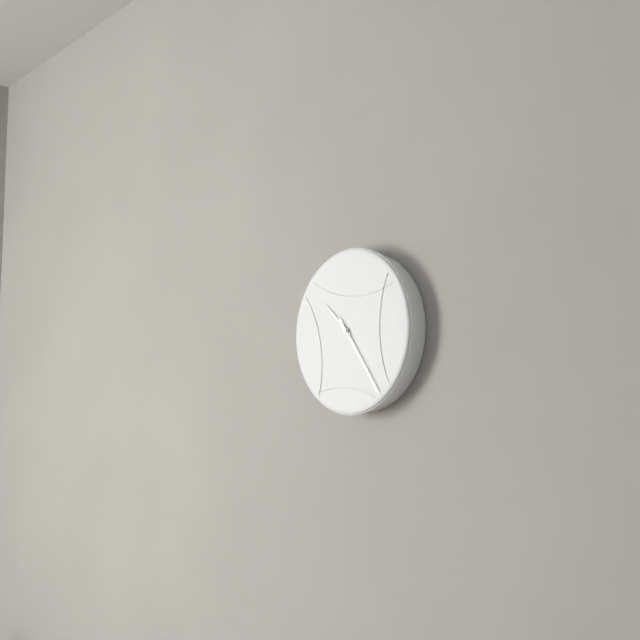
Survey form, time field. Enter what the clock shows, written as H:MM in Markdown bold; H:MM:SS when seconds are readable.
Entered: **10:24**
